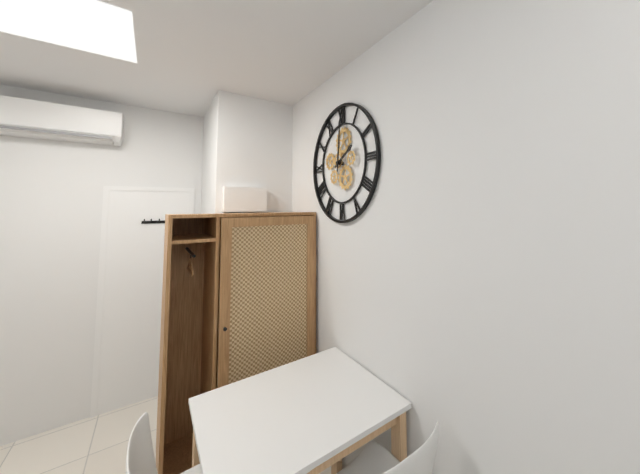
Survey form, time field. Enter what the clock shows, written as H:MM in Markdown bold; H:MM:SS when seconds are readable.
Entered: **2:01**
